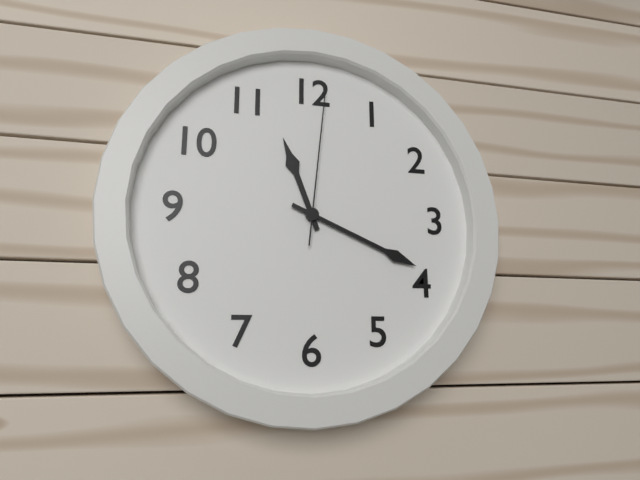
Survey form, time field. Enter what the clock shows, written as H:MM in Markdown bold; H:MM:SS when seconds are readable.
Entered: **11:19:01**
